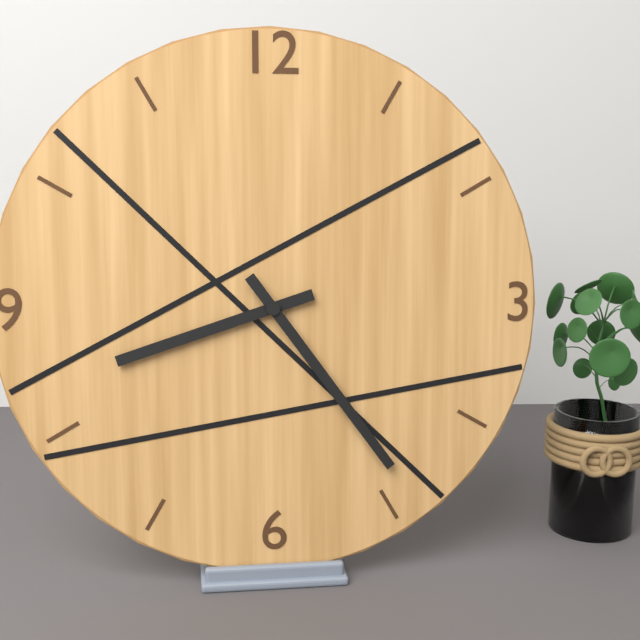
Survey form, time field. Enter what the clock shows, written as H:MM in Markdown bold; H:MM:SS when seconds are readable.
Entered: **8:24**
